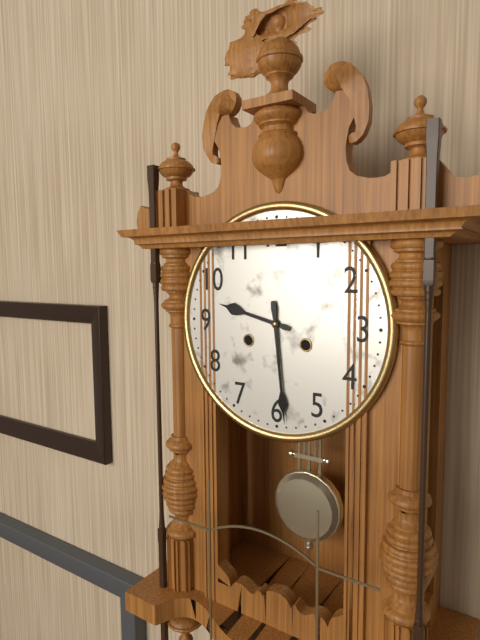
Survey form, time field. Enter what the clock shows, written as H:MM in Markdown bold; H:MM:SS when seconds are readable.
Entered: **9:29**
